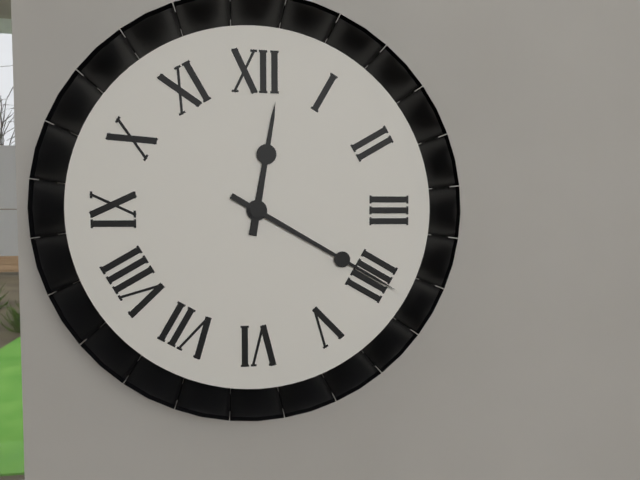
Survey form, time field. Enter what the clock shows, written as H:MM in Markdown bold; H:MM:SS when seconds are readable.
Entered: **12:20**
